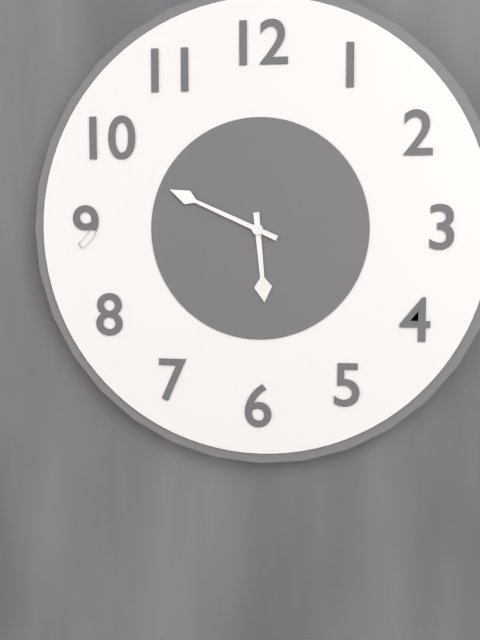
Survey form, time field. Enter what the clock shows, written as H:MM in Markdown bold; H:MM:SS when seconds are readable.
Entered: **5:49**
